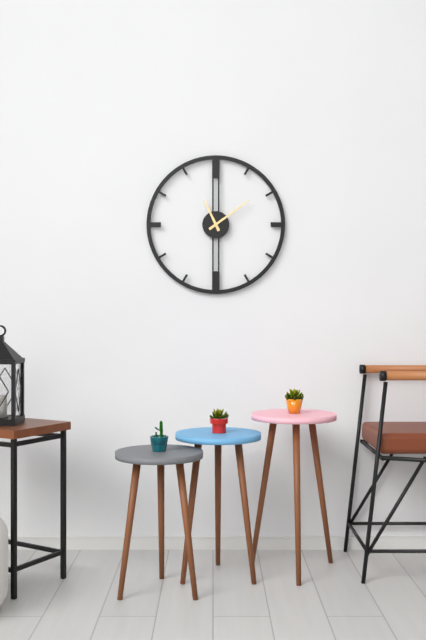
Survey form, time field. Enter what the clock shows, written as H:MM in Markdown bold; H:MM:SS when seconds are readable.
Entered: **11:09**
